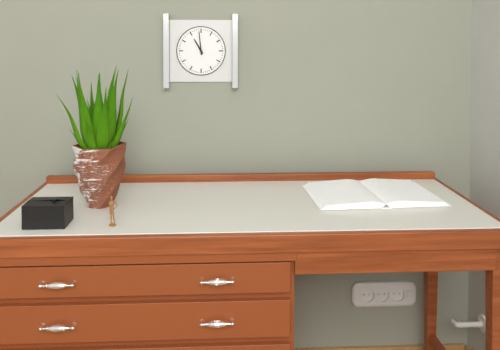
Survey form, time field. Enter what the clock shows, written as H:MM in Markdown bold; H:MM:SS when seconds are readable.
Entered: **10:59**
